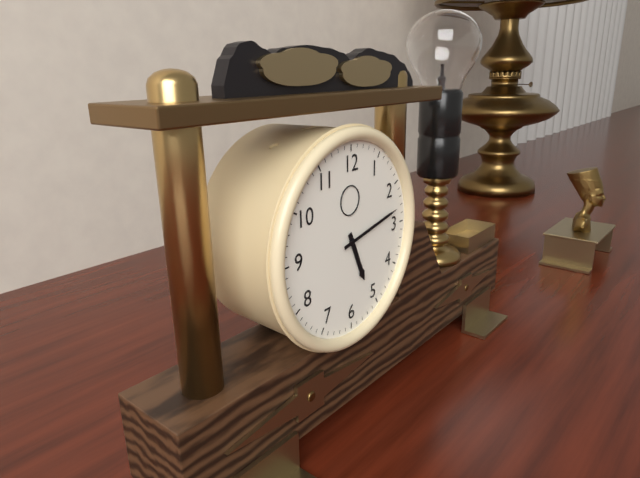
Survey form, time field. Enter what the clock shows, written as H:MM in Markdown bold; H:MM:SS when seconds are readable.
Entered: **5:13**
